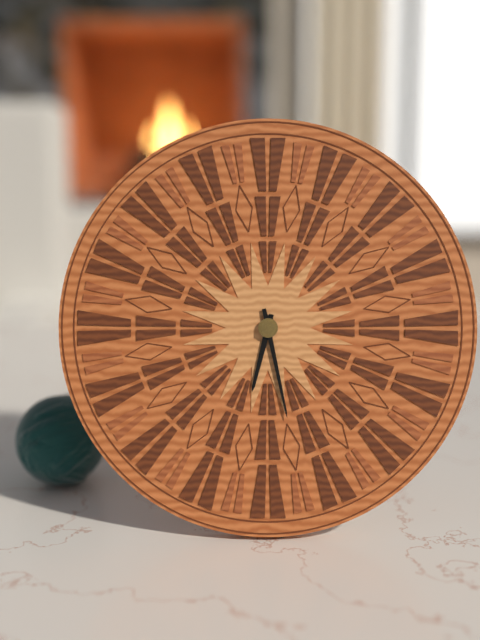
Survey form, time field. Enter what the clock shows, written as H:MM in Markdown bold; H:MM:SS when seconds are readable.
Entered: **6:28**
